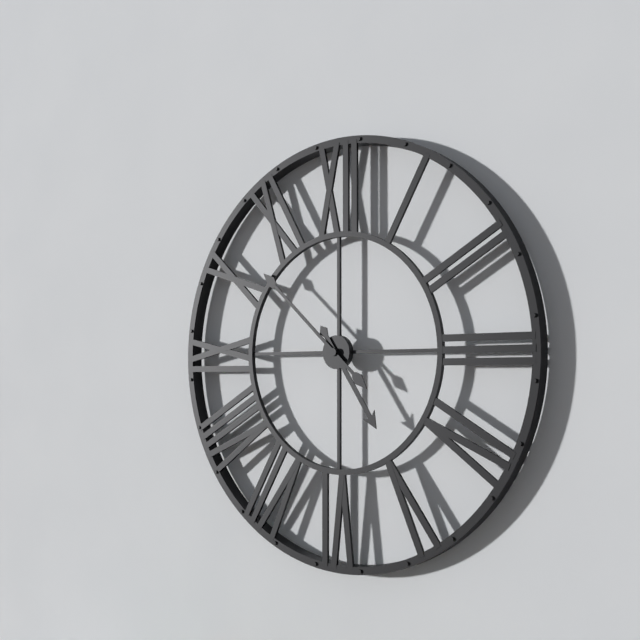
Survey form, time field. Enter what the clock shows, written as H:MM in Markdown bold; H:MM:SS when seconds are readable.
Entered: **4:52**
